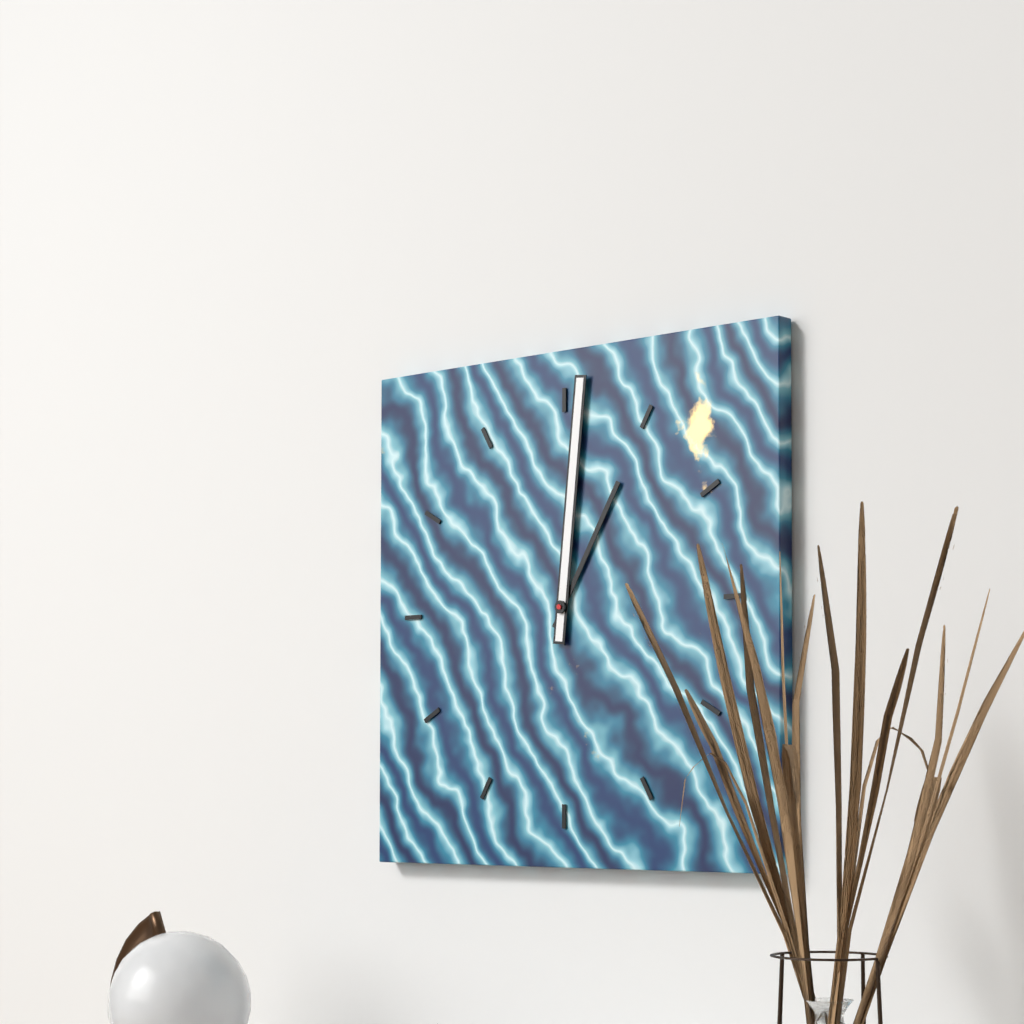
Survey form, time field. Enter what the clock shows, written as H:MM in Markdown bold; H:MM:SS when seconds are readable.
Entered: **1:01**
